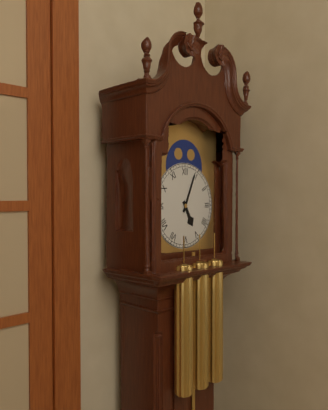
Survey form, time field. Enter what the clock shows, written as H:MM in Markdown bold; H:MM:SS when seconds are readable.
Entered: **5:04**
